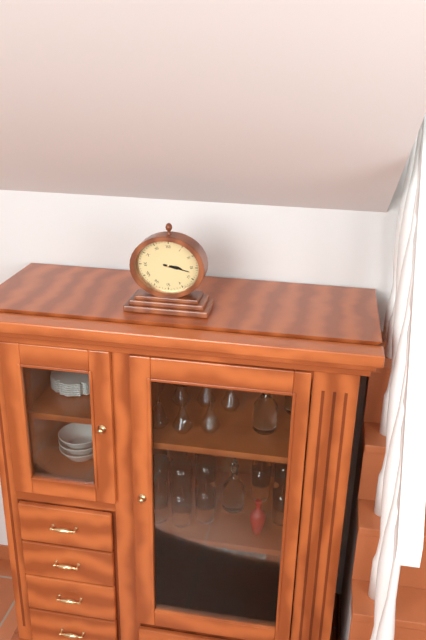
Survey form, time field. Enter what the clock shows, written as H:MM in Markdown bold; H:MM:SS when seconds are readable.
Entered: **3:17**
